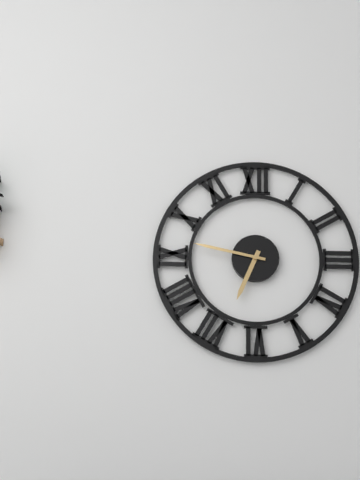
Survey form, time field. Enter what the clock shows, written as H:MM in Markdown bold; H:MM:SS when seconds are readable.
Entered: **6:47**
